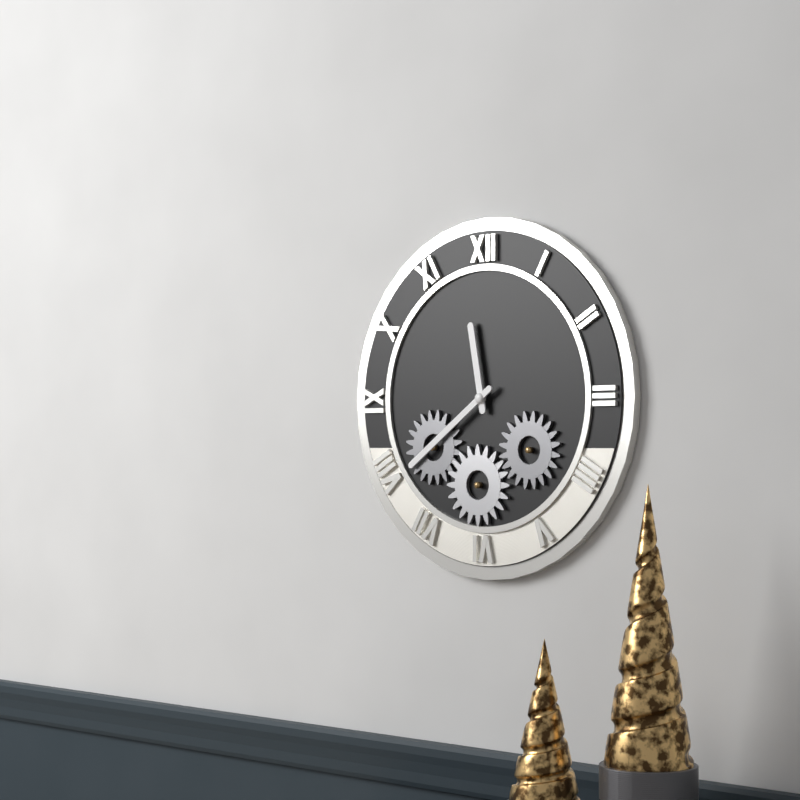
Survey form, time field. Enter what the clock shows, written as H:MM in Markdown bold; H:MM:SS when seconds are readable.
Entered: **11:39**
